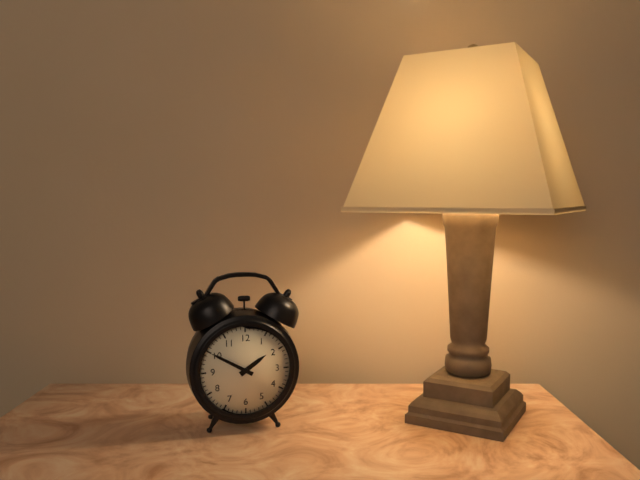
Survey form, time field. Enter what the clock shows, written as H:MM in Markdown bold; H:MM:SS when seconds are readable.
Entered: **1:50**
